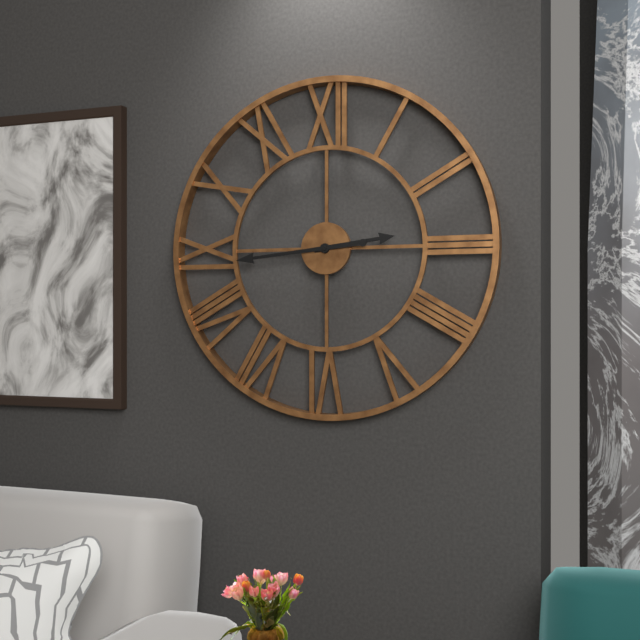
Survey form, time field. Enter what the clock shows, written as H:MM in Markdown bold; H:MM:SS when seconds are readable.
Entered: **2:44**
